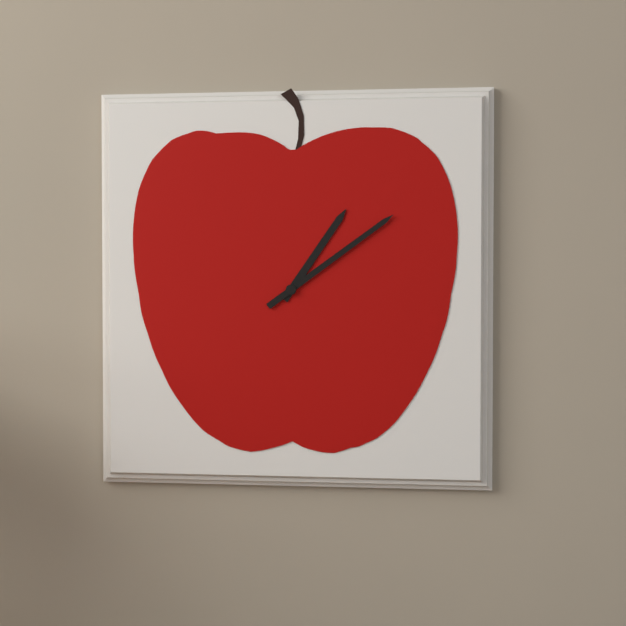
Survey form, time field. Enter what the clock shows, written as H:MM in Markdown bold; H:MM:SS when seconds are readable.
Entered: **1:09**
